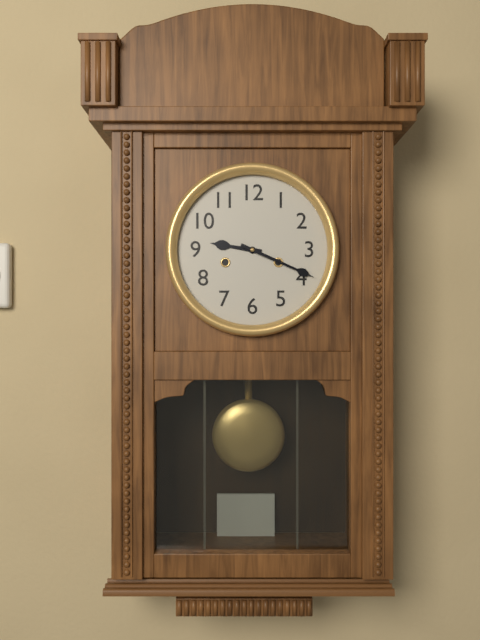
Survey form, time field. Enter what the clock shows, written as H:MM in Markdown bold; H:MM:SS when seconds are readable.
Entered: **9:19**
